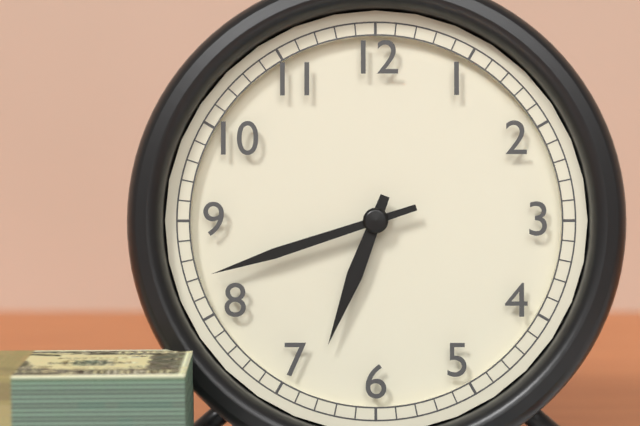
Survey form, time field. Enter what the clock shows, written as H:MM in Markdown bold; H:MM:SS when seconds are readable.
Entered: **6:42**
